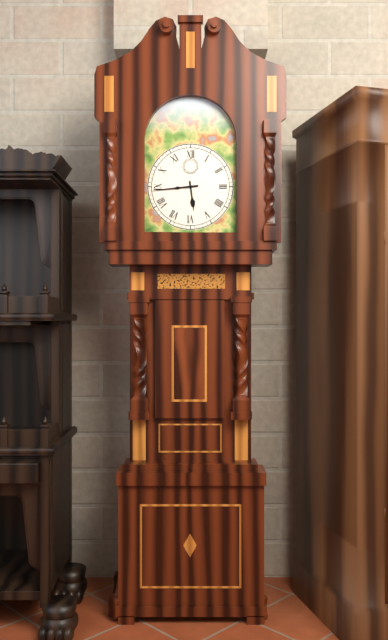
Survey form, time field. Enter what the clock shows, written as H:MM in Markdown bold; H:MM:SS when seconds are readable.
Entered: **5:44**
